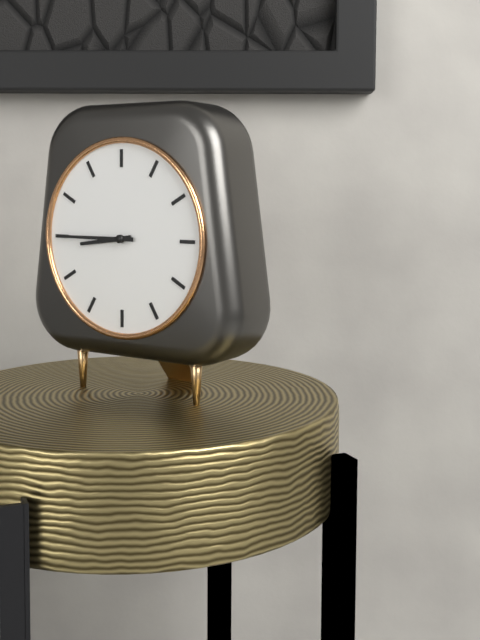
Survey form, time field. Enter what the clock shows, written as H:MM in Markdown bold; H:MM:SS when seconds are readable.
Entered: **8:45**
